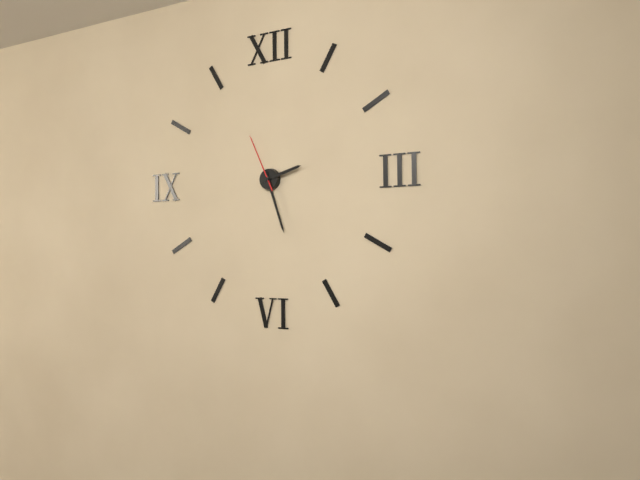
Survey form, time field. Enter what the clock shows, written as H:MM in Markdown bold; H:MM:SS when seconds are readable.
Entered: **2:27:56**
